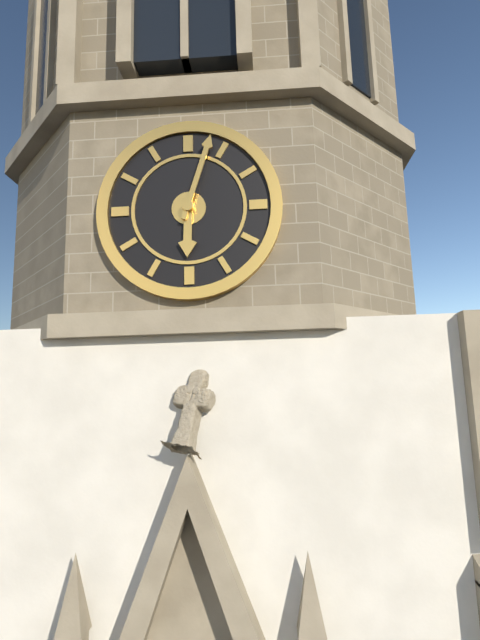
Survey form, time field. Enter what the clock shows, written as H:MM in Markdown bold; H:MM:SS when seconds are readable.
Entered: **6:03**
